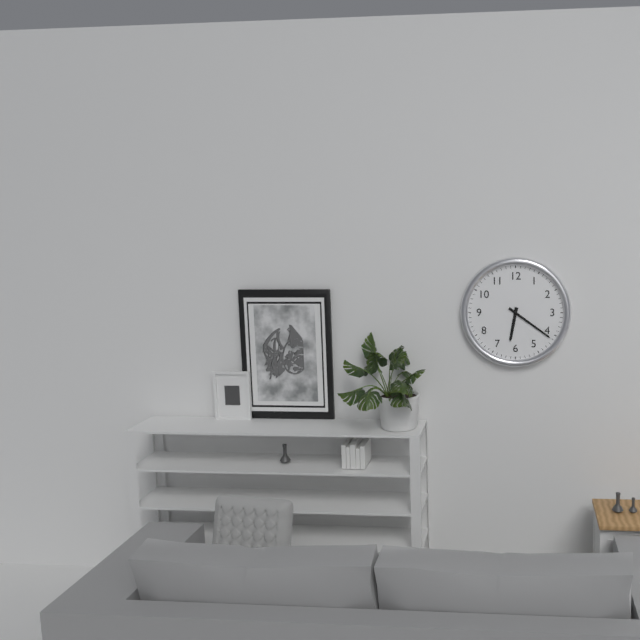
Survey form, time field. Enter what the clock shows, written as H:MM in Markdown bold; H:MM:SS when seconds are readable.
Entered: **6:21**
